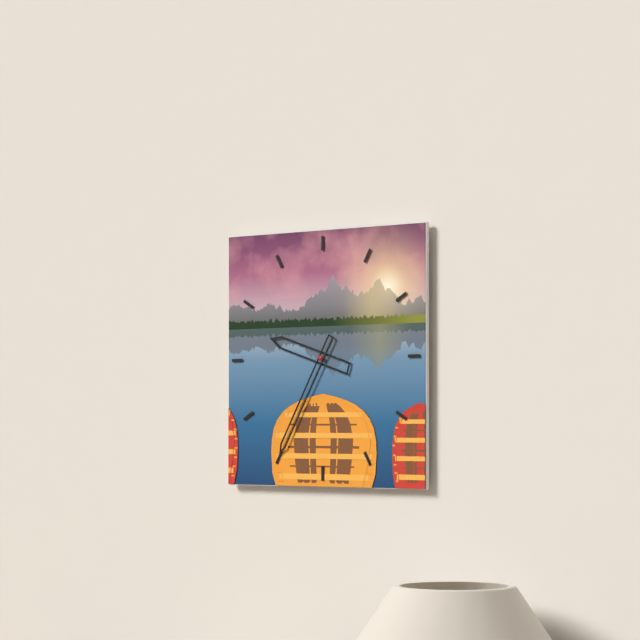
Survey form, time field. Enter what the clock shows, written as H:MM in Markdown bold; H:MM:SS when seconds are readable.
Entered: **9:35**
